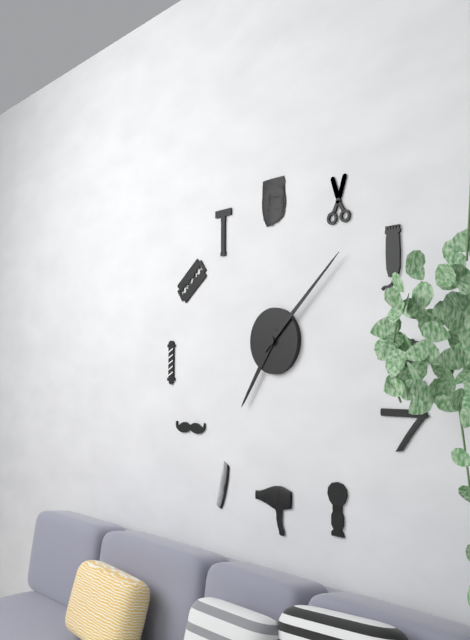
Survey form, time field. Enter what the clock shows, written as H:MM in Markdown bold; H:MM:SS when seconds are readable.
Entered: **7:08**
